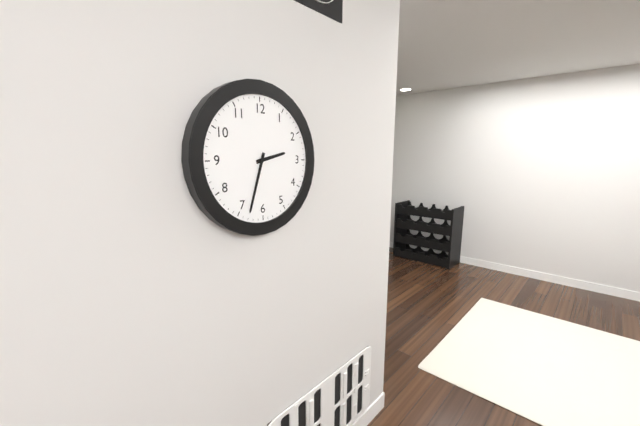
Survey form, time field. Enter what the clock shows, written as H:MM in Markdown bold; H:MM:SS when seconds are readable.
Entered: **2:33**
